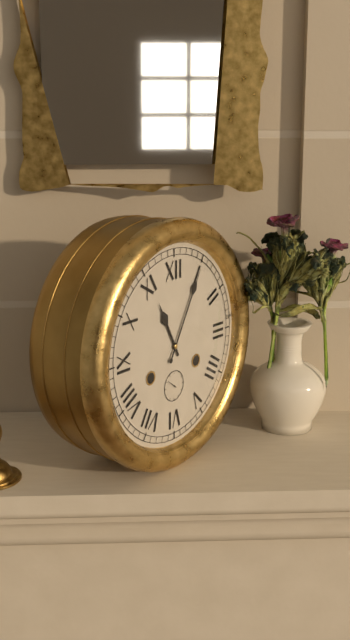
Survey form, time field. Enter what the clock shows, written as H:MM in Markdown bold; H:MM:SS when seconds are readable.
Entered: **11:05**
